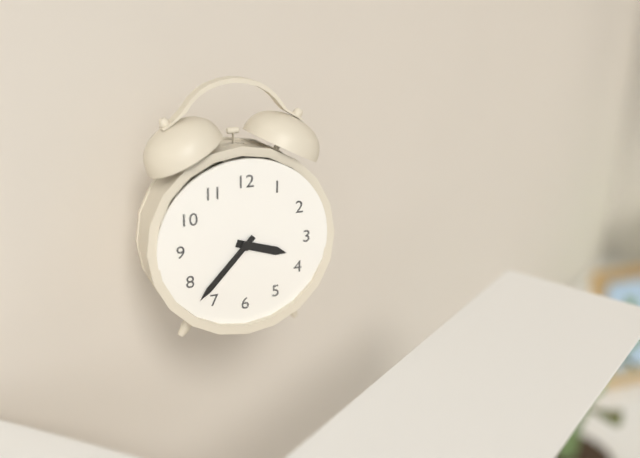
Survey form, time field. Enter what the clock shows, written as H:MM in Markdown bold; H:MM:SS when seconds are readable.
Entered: **3:37**
